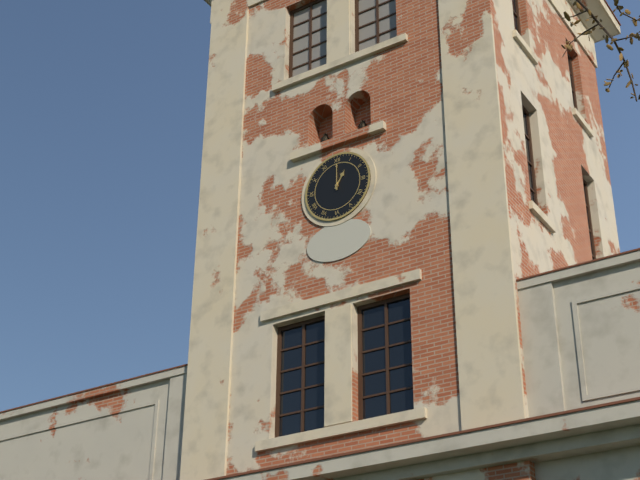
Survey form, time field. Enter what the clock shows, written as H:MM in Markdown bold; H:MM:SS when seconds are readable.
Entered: **1:00**
